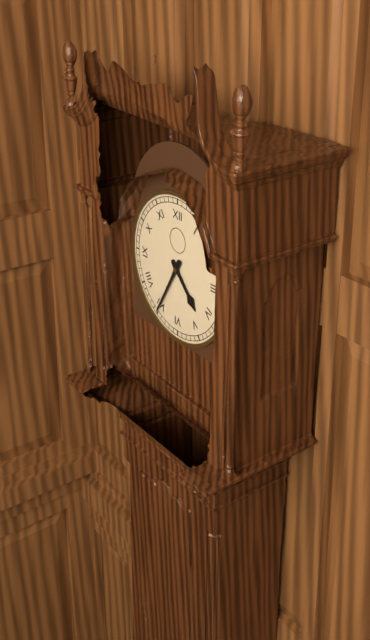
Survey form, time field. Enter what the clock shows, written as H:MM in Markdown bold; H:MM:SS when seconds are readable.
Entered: **4:35**
